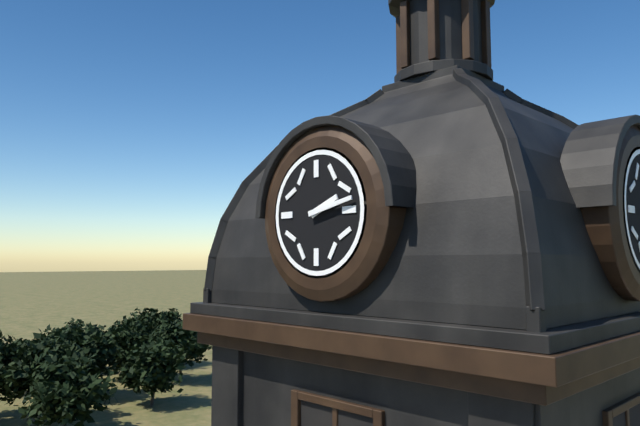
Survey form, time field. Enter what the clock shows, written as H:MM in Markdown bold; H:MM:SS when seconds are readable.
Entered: **2:13**
